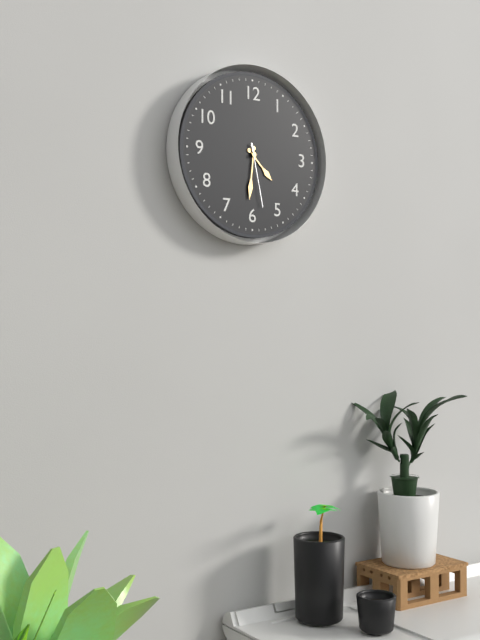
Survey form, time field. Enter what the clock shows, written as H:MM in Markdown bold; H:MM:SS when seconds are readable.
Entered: **4:31:28**
